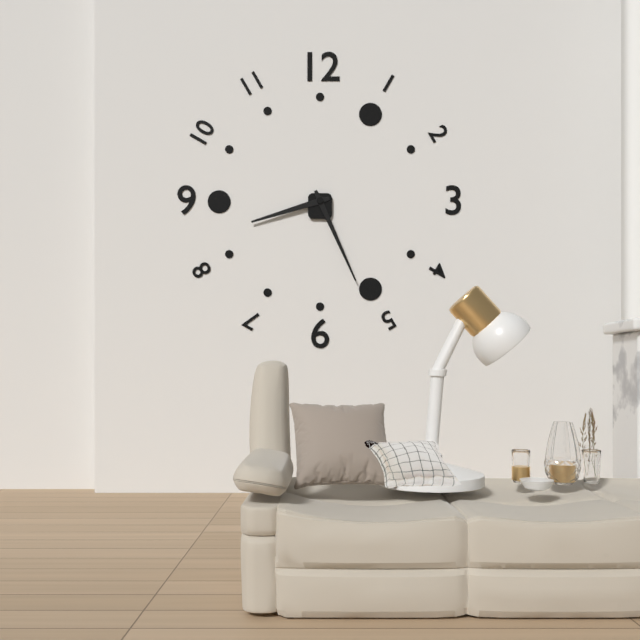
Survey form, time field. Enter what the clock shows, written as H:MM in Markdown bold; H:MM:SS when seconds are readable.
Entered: **8:26**
